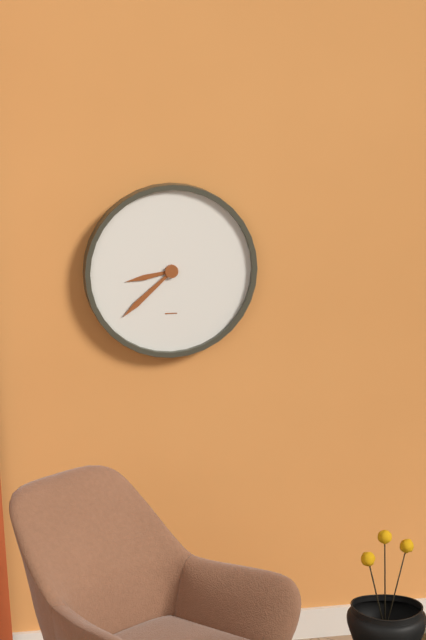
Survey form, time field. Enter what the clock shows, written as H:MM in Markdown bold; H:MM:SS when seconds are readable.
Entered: **8:38**
